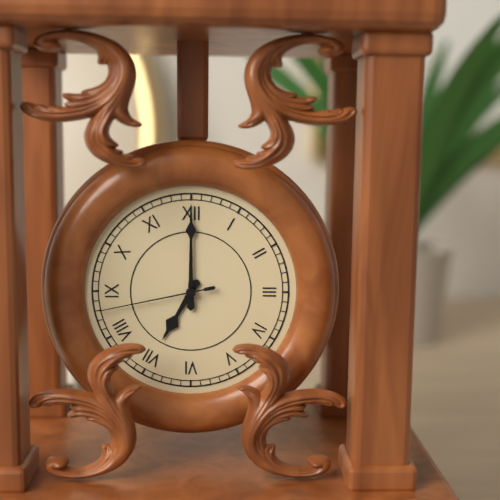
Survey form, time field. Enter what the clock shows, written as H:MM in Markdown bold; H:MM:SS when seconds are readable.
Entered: **7:00:43**
